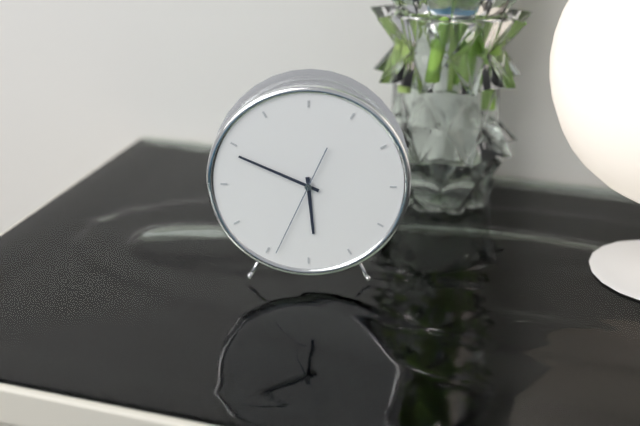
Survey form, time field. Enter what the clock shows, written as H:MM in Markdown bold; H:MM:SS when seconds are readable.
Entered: **5:49:34**
